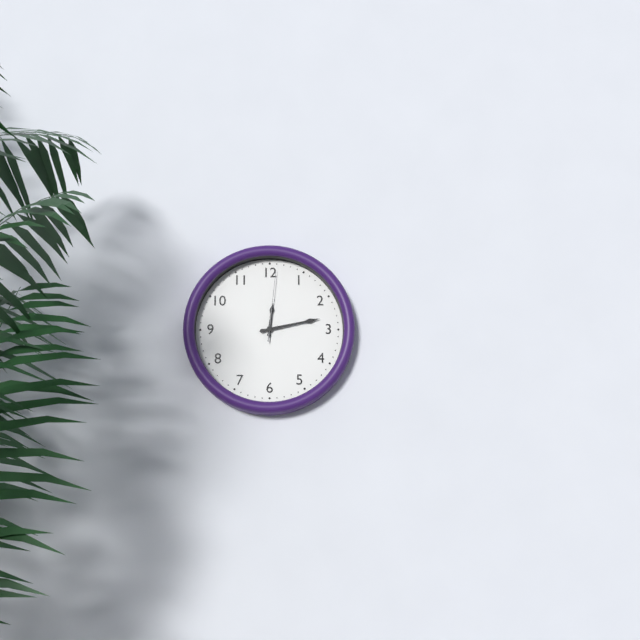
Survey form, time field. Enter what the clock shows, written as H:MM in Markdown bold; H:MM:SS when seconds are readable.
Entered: **12:13:01**
